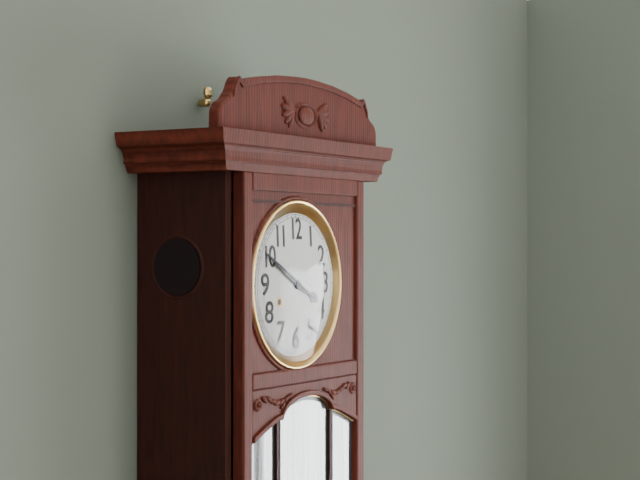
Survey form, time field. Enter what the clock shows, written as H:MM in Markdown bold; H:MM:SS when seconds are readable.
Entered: **3:50**
